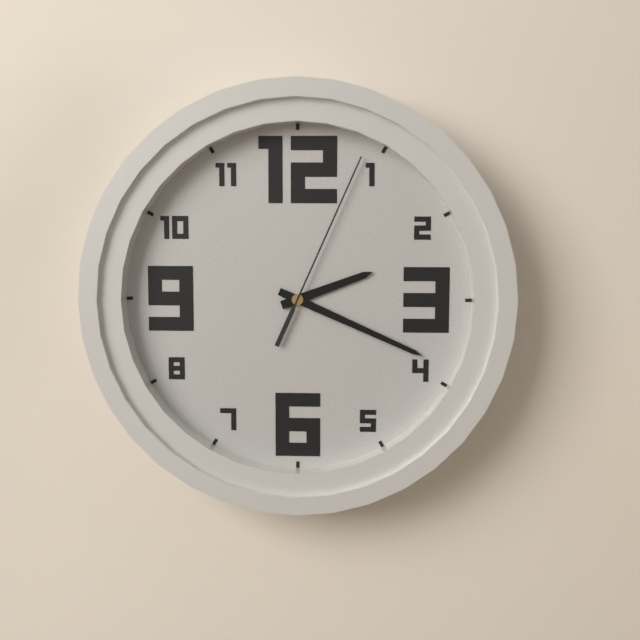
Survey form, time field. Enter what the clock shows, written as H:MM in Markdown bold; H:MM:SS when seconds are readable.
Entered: **2:19:04**
